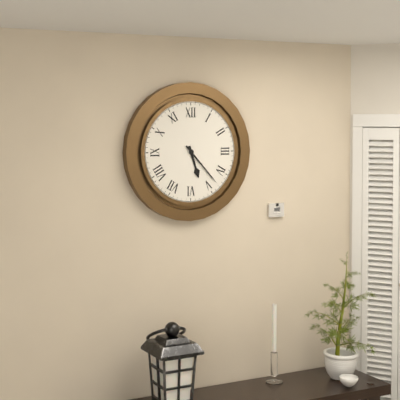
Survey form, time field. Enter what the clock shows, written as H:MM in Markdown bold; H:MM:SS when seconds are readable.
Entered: **5:23**
